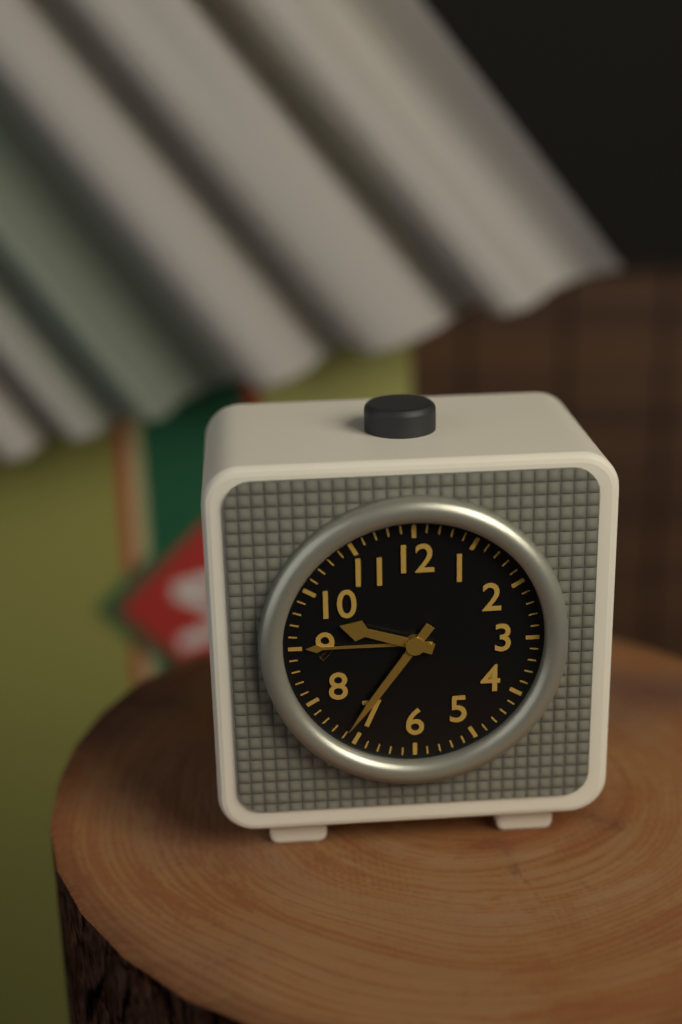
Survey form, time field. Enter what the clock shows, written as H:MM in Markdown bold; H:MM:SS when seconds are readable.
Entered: **9:36**
